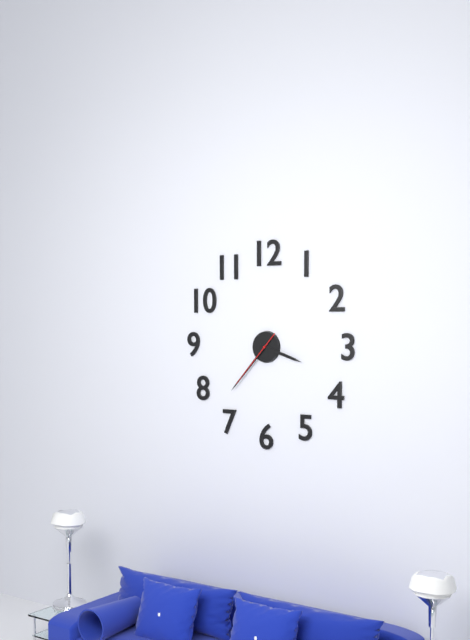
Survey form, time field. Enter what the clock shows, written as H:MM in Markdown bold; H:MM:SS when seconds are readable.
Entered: **3:37:37**
